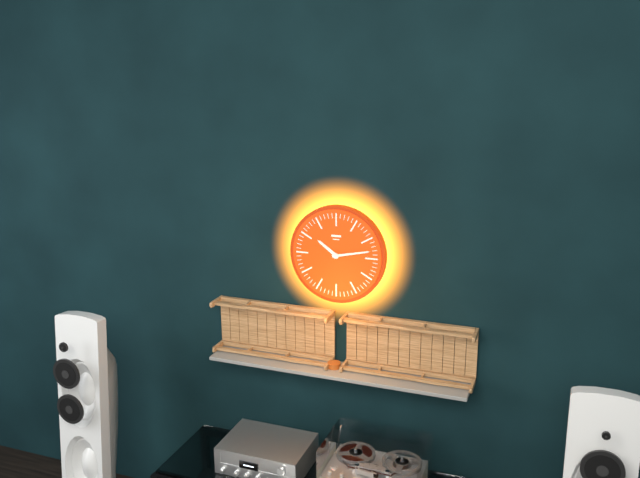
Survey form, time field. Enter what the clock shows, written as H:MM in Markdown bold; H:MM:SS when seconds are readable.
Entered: **10:13**
